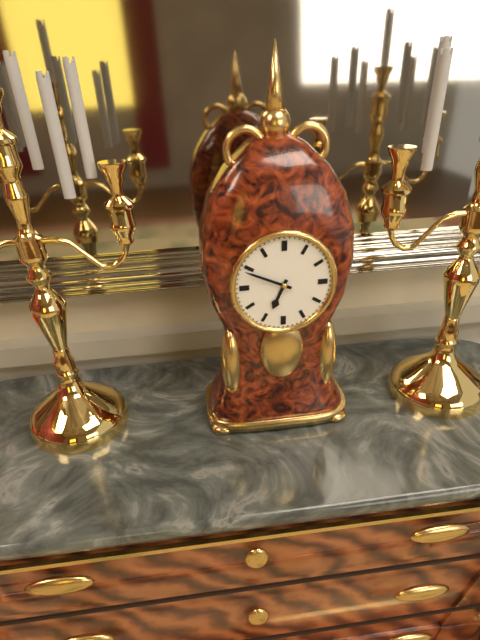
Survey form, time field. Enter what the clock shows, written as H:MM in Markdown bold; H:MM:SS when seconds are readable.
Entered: **6:49**
